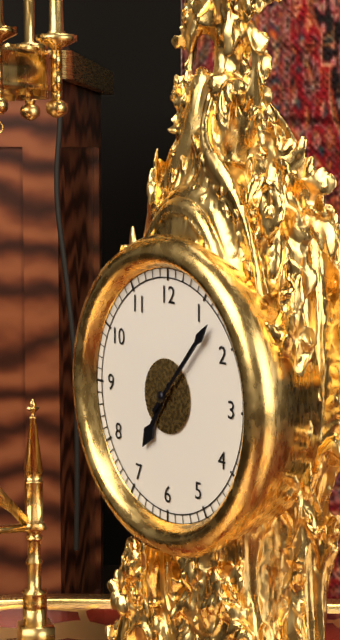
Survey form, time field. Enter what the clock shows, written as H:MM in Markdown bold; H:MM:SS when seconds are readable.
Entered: **7:07**
